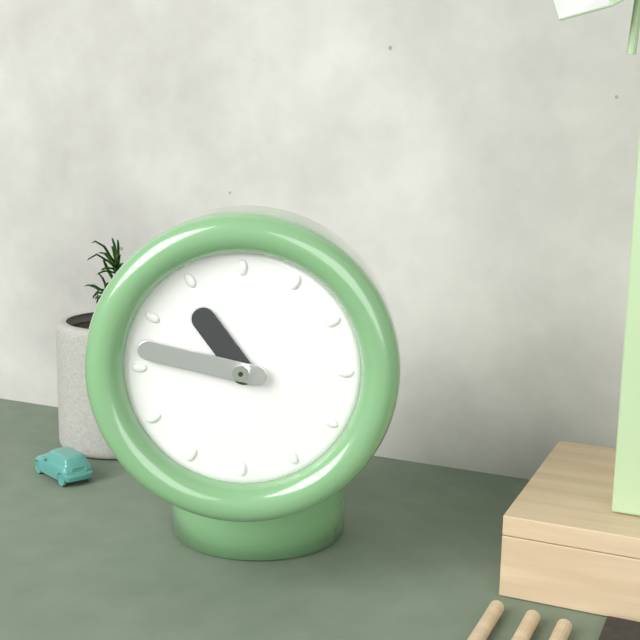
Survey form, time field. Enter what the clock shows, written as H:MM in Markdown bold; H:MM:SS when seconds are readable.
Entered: **10:47**
